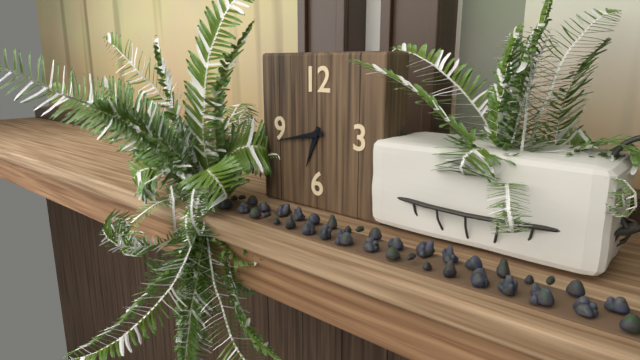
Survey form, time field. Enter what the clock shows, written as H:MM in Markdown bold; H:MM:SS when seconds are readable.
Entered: **6:43**
